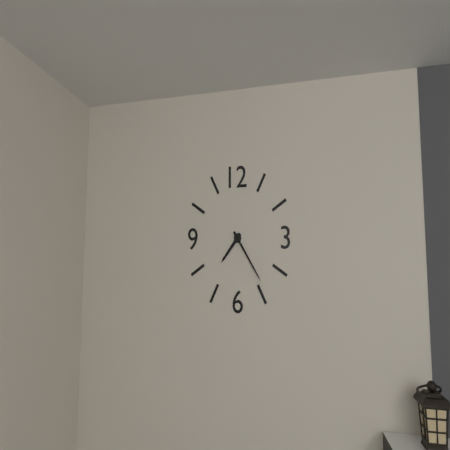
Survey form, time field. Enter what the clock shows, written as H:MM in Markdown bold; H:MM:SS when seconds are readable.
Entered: **7:24**
